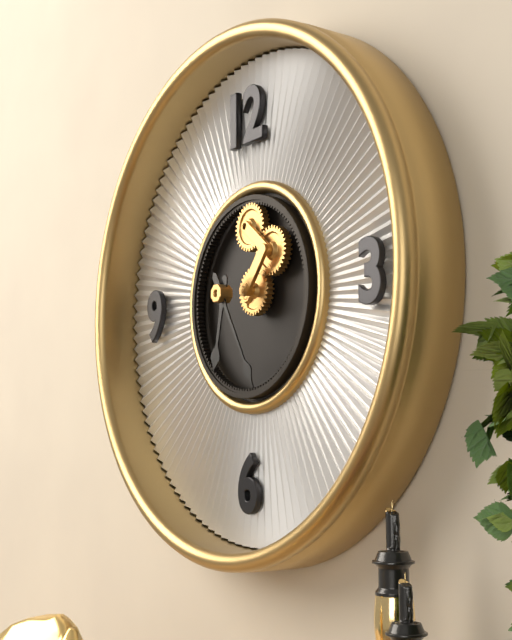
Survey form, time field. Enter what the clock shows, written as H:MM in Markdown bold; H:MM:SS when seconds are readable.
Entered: **6:25**
